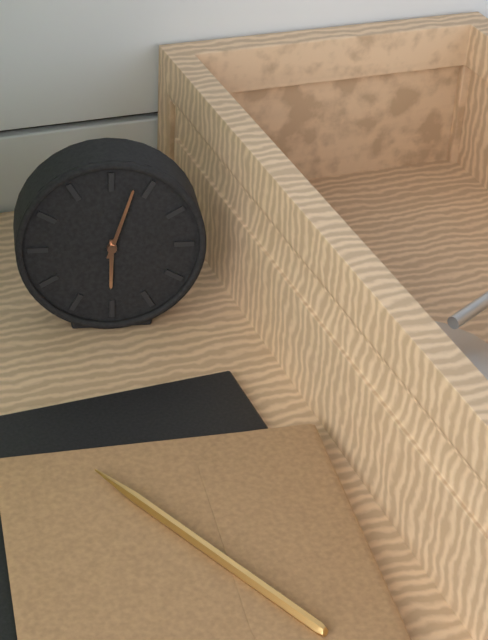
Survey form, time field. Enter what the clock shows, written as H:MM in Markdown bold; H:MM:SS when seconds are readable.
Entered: **6:03**
